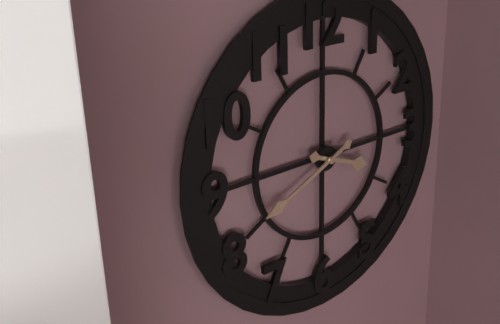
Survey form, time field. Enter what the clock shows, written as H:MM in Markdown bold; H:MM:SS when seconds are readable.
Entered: **3:41**
